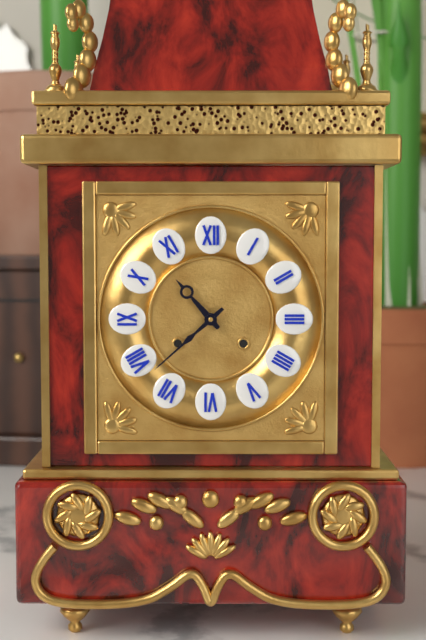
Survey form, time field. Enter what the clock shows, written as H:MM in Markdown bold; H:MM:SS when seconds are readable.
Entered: **10:38**
